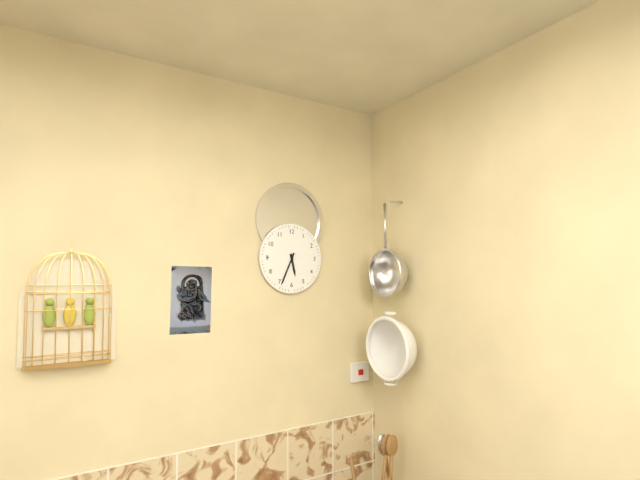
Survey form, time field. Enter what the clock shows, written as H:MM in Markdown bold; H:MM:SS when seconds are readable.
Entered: **5:34**
